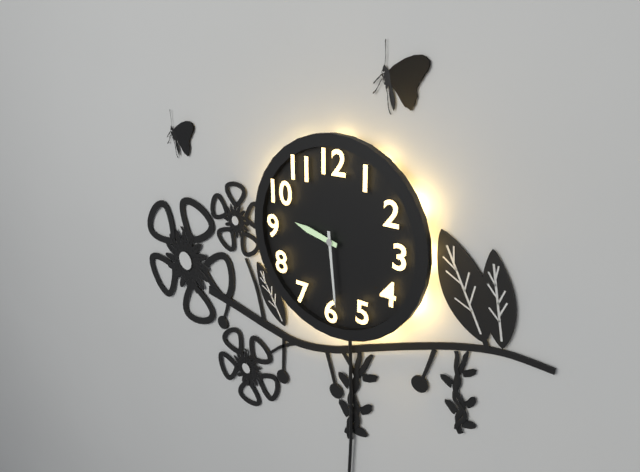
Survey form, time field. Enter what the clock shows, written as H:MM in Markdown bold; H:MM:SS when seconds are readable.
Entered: **9:29**
